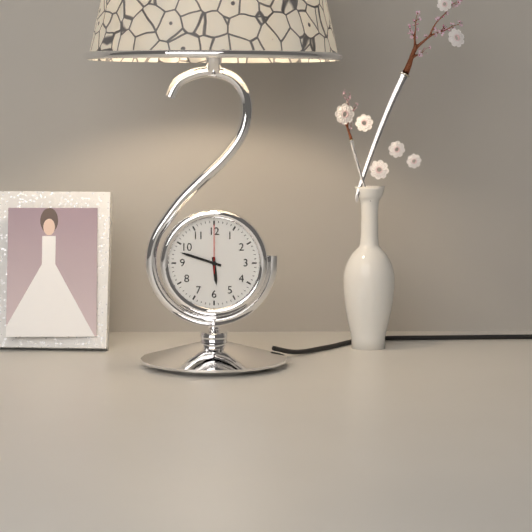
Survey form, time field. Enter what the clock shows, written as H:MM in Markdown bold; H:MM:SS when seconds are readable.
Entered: **5:48**
